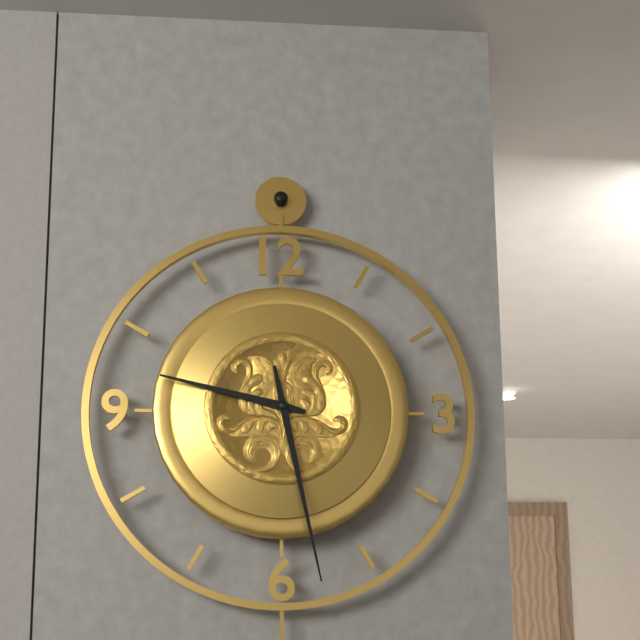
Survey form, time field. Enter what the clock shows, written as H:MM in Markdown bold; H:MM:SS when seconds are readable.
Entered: **9:28**
